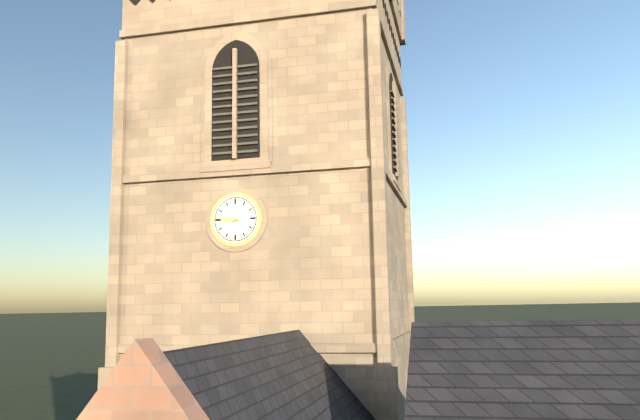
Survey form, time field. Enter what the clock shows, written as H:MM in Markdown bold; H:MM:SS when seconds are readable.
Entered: **8:46**
